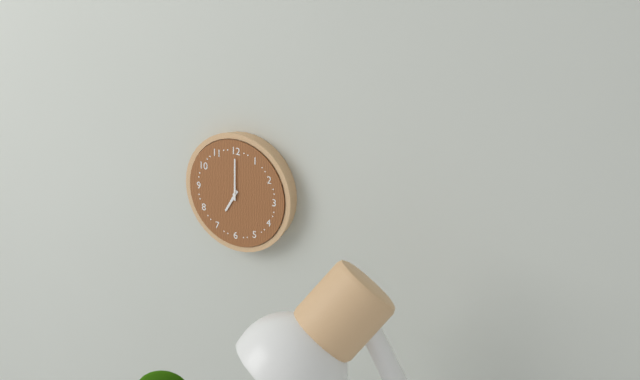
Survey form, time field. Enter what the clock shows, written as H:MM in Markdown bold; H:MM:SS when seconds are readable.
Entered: **7:00**
